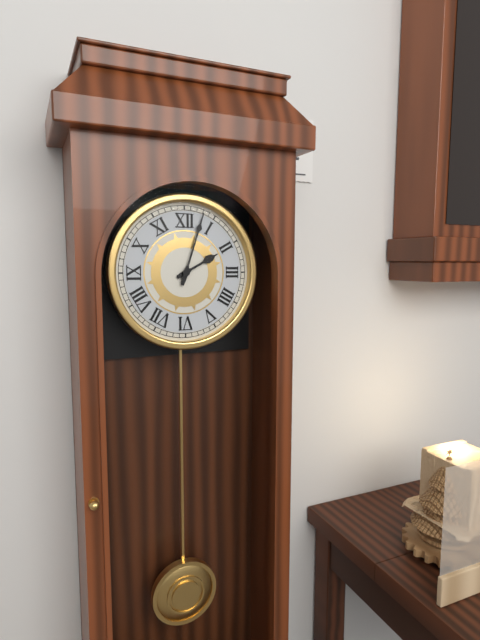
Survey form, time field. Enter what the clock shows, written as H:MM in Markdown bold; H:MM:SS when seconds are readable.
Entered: **2:03**
